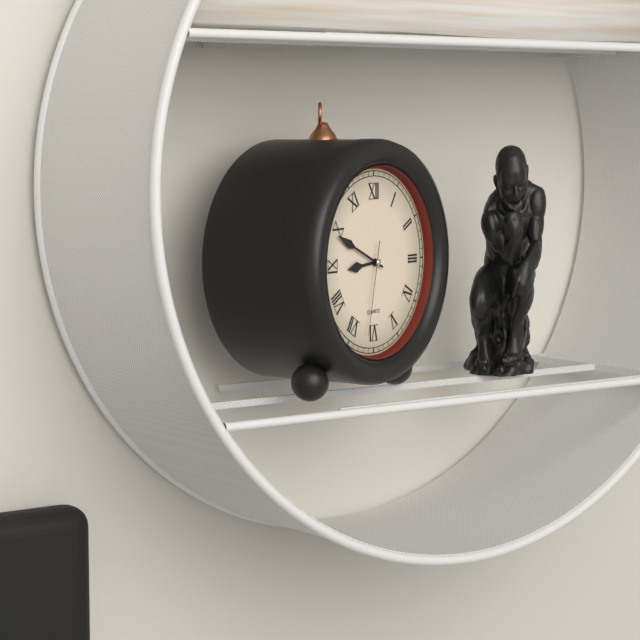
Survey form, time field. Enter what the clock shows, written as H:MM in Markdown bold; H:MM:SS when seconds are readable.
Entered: **8:49:32**
